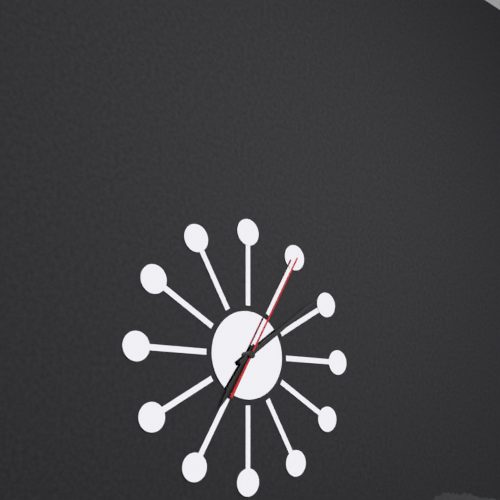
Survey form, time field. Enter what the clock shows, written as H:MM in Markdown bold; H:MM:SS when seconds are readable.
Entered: **7:09:05**
